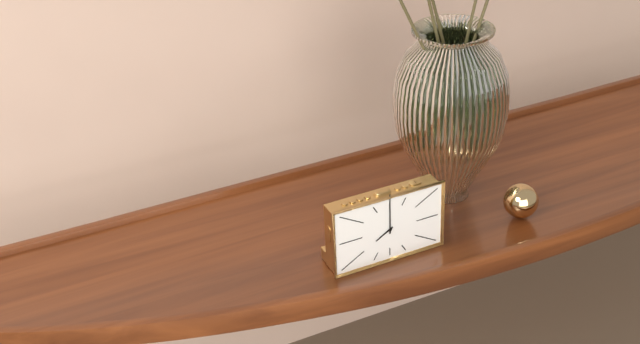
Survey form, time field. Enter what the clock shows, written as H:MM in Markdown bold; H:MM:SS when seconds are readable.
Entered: **8:00**
